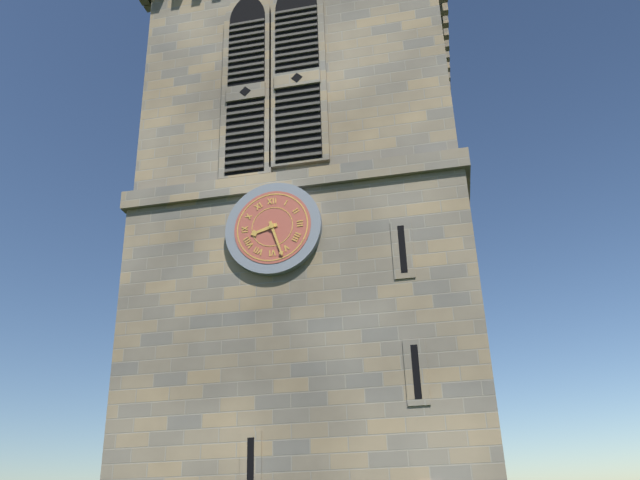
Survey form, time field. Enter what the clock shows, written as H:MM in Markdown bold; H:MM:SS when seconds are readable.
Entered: **8:27**
